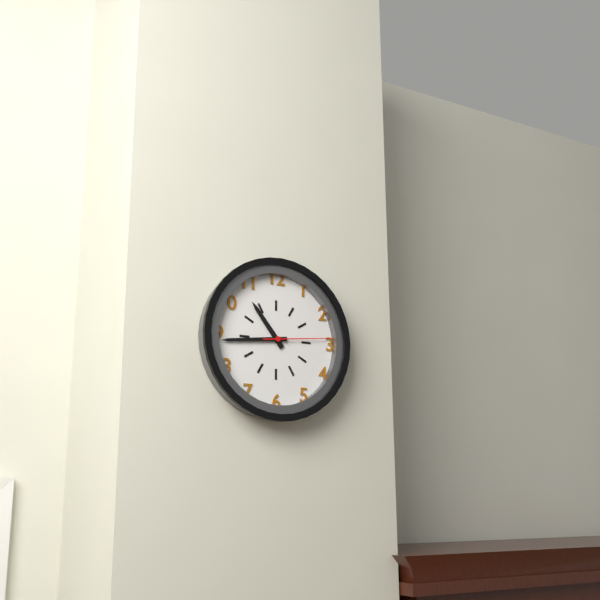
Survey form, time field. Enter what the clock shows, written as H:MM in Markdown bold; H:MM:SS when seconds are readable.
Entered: **10:44:14**
